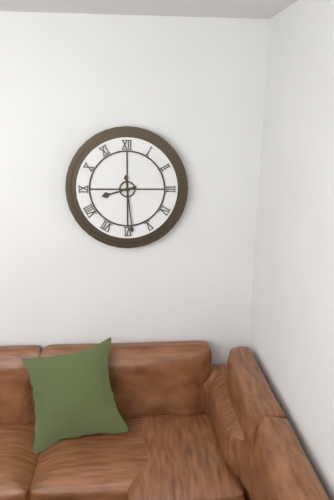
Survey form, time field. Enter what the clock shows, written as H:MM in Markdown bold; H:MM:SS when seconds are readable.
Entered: **8:29**
